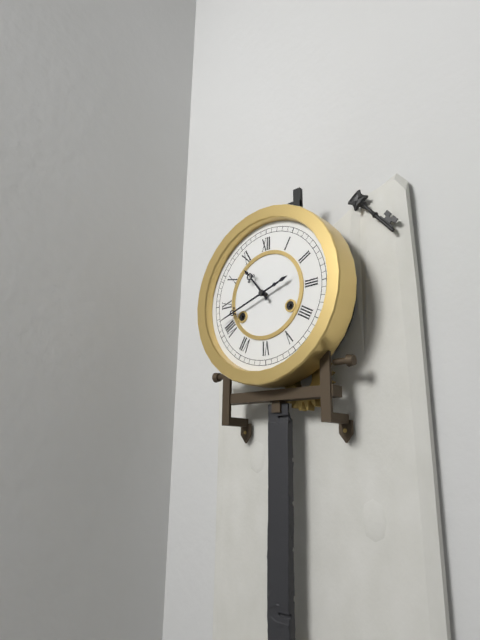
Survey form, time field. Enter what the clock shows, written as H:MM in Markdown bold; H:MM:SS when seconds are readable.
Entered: **10:42**
